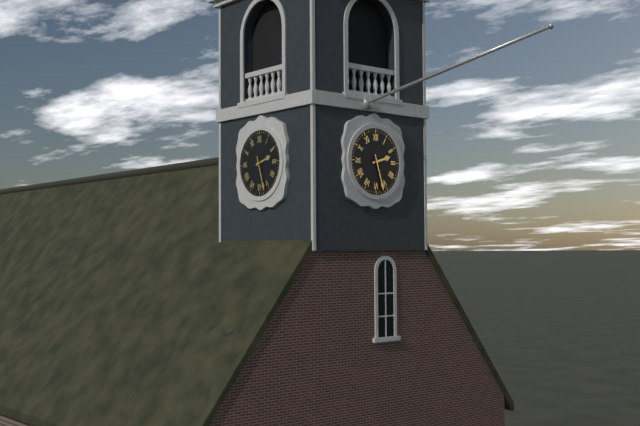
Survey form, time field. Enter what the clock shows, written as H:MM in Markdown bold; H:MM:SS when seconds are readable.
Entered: **2:27**
